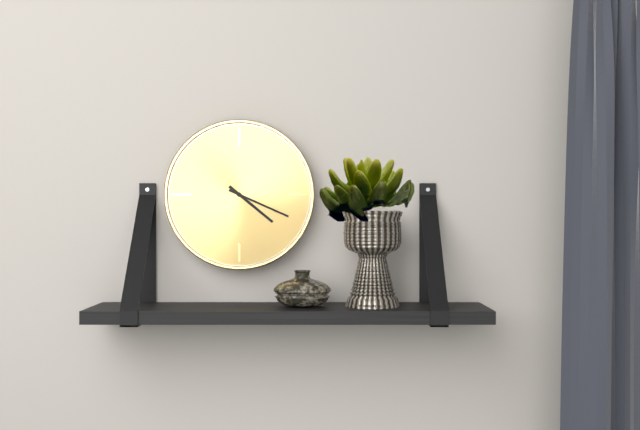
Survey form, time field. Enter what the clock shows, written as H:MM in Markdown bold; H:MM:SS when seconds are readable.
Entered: **4:19**
